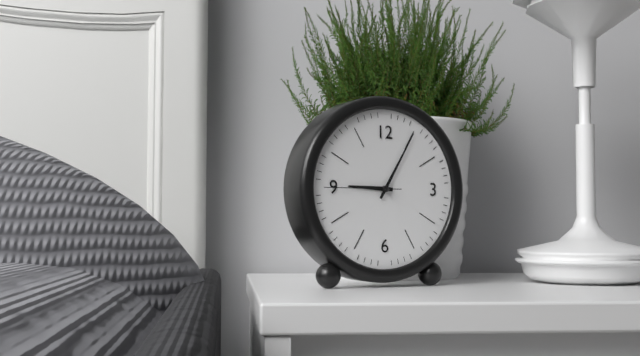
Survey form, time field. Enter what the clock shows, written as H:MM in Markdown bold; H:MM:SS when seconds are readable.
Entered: **9:05:45**
